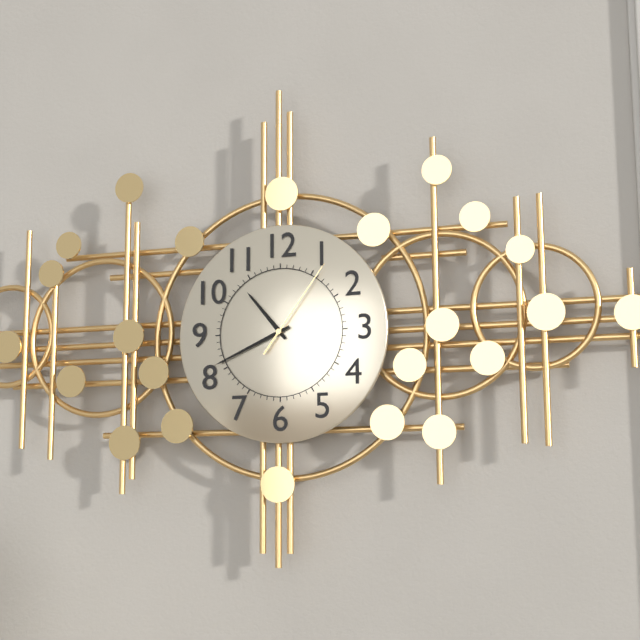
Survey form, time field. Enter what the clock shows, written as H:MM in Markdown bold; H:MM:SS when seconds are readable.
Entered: **10:41:06**
